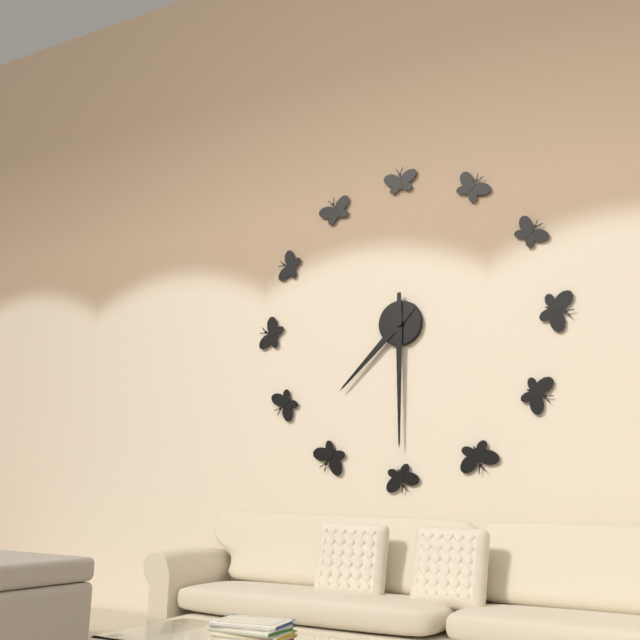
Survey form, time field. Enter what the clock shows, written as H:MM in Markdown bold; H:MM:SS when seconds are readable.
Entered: **7:30**
